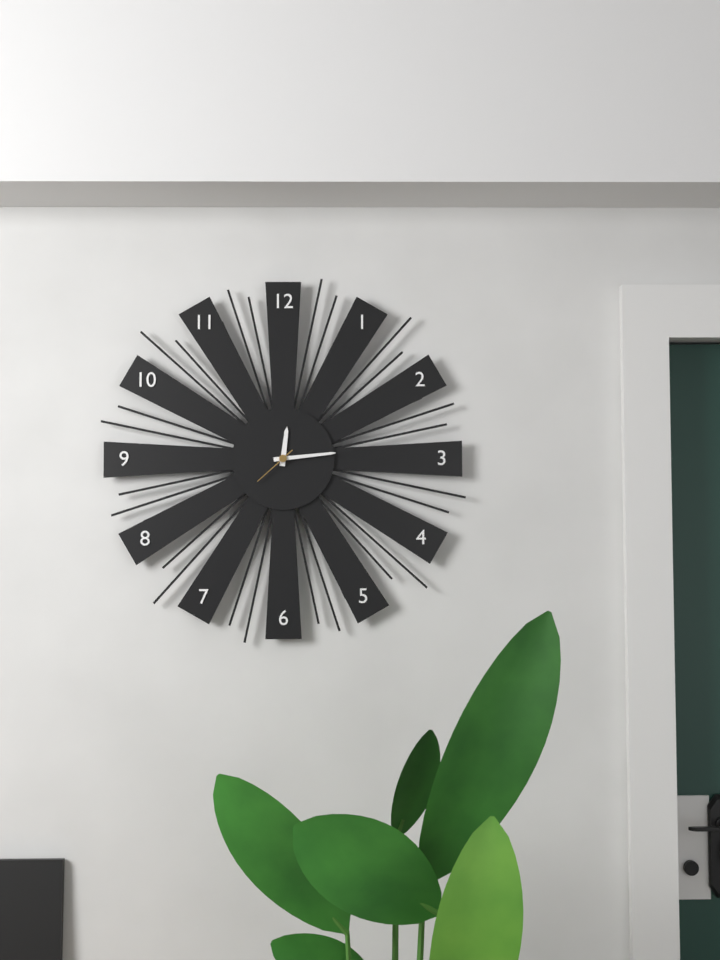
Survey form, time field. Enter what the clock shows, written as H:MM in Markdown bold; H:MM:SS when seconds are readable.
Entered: **12:14**
